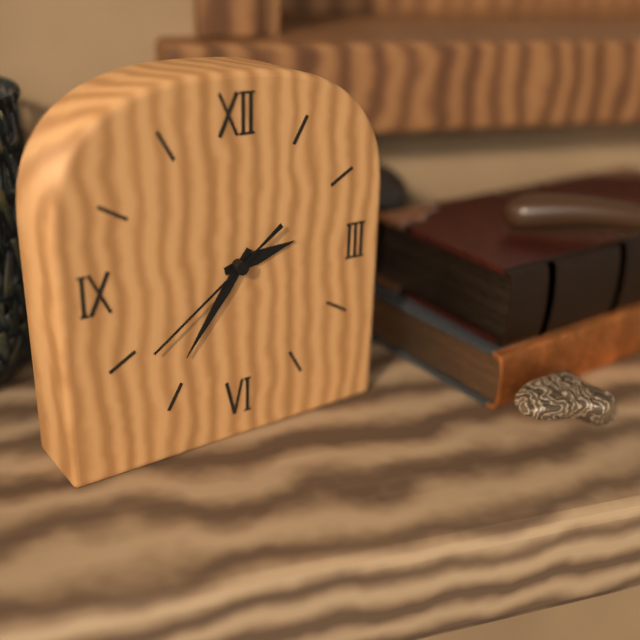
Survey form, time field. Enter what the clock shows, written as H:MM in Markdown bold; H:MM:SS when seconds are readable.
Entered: **2:36:39**
